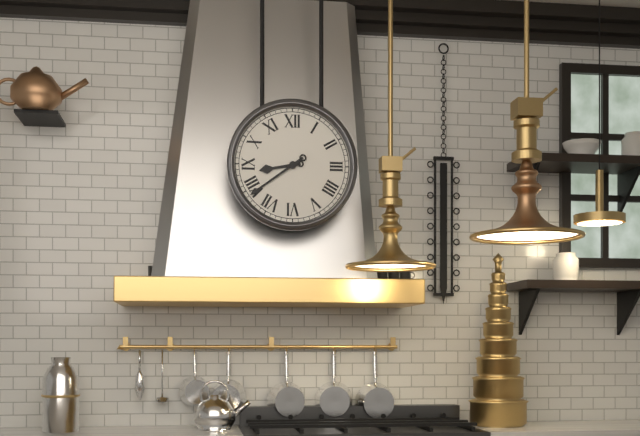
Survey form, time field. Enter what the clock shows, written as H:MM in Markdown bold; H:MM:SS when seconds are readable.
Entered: **8:39**
